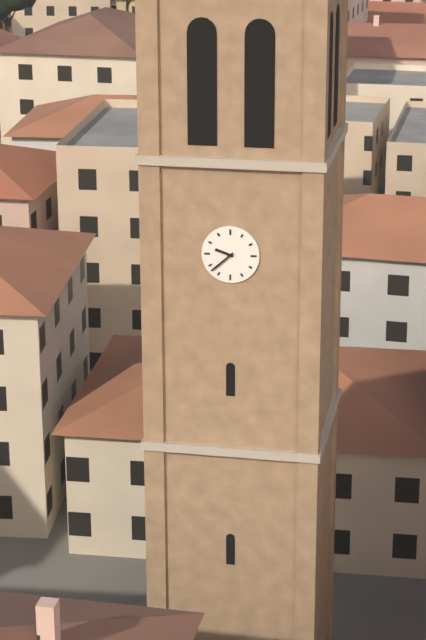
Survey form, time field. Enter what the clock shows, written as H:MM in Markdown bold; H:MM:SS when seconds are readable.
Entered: **9:38**
